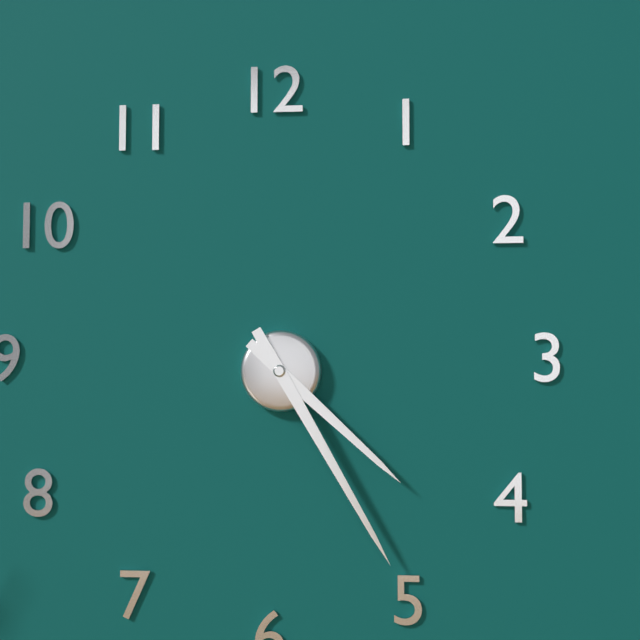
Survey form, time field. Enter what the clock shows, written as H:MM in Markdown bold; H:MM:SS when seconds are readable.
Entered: **4:25**
